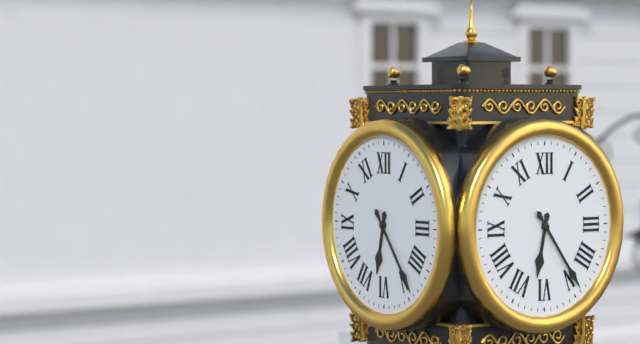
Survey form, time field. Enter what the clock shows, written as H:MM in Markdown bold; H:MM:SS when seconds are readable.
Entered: **6:24**
